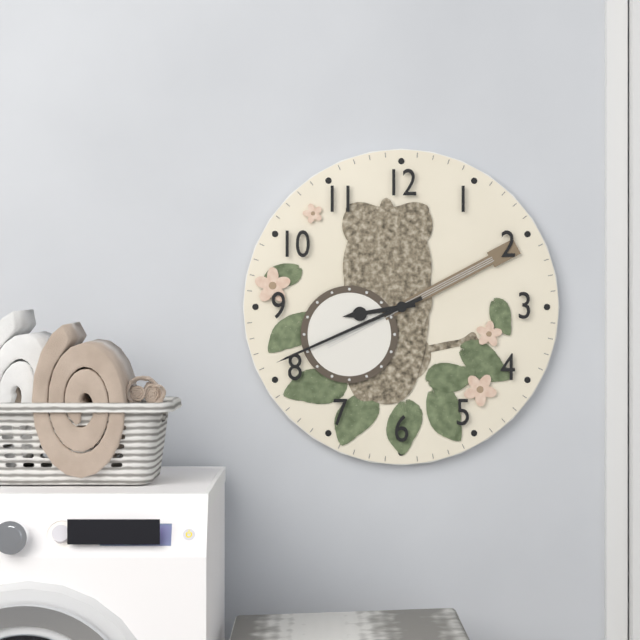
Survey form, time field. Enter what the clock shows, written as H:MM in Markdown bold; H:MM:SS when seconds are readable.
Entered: **8:41**
